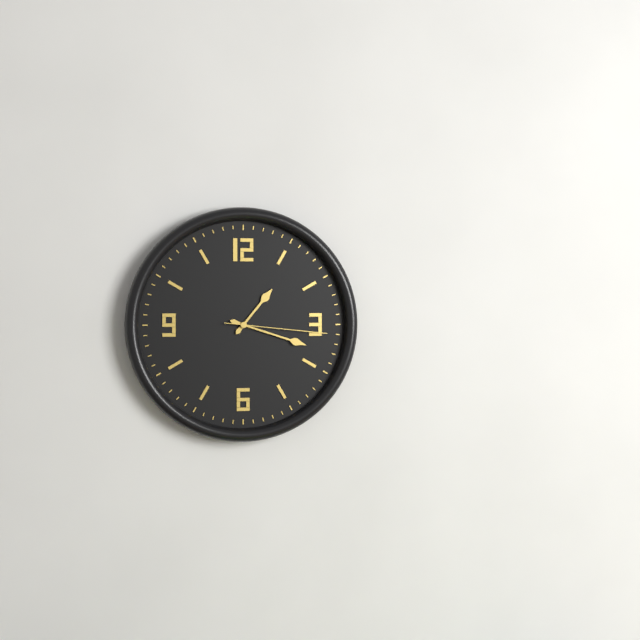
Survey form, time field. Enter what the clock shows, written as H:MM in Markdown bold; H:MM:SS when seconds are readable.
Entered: **1:18:16**
